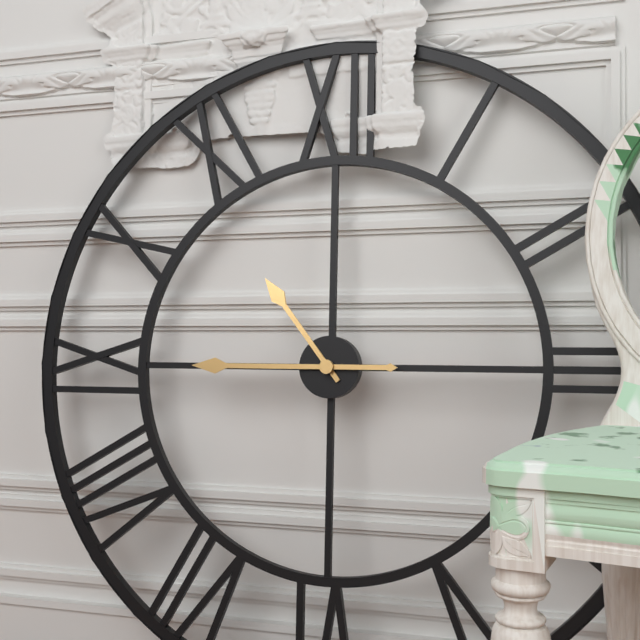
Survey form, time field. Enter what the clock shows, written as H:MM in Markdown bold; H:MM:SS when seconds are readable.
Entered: **10:45**
